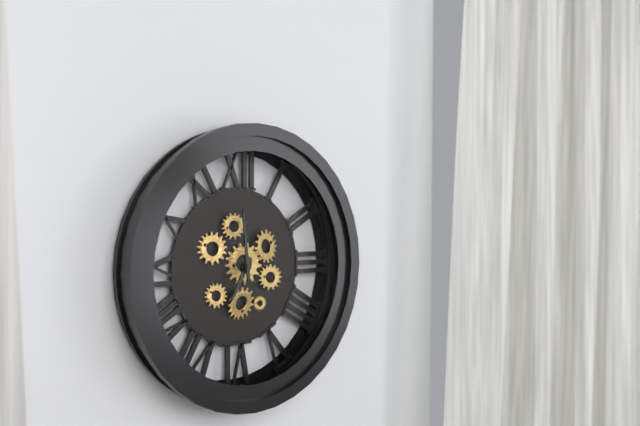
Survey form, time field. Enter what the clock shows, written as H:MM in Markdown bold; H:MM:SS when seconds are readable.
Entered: **6:59**
